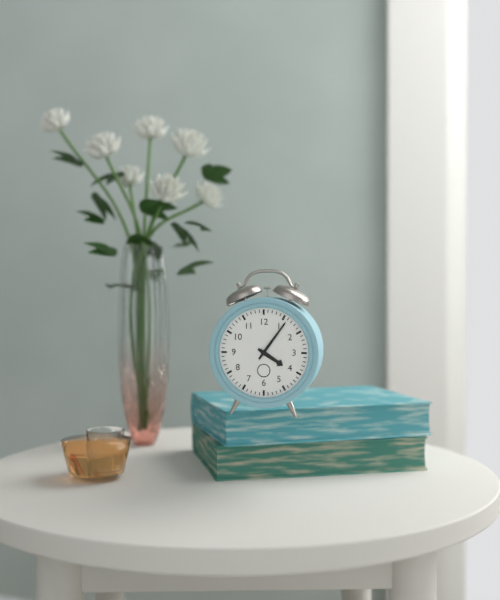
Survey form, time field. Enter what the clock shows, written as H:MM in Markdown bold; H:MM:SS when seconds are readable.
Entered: **4:06**
